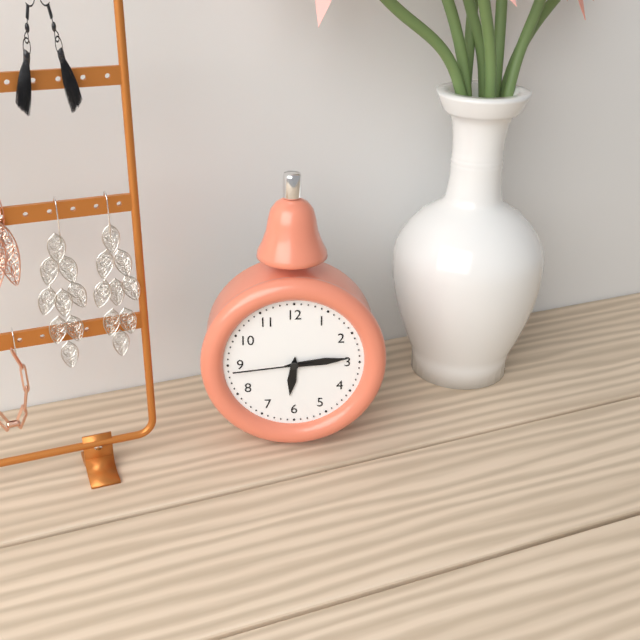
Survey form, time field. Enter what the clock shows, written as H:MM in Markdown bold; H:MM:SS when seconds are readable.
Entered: **6:14:44**
